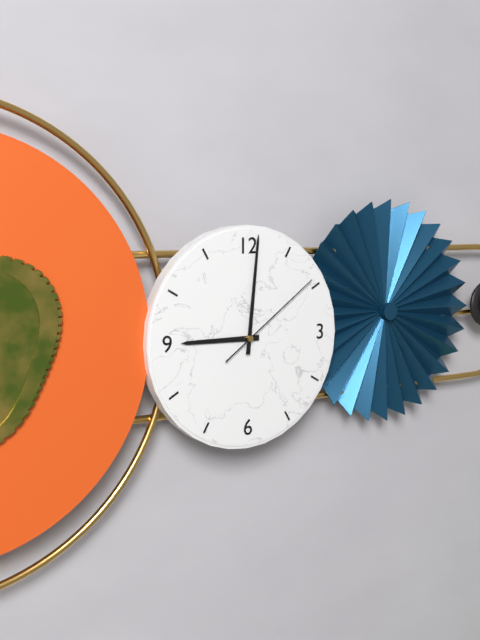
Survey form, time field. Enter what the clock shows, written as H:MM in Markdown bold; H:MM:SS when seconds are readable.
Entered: **9:01:09**
